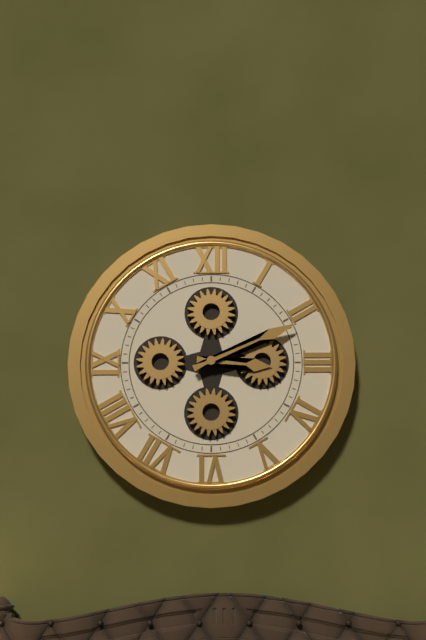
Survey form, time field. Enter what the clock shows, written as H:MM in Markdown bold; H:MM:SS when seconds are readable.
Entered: **3:11**
